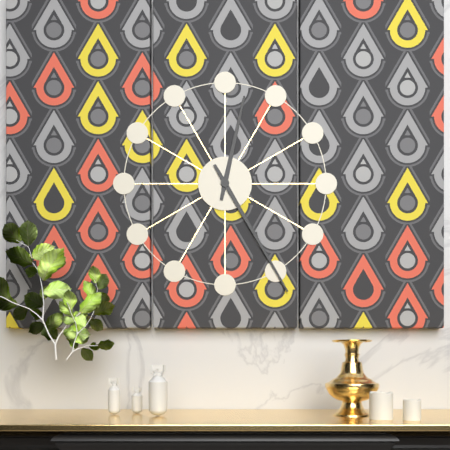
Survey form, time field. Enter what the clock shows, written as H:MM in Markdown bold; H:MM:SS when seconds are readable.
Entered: **12:25**
